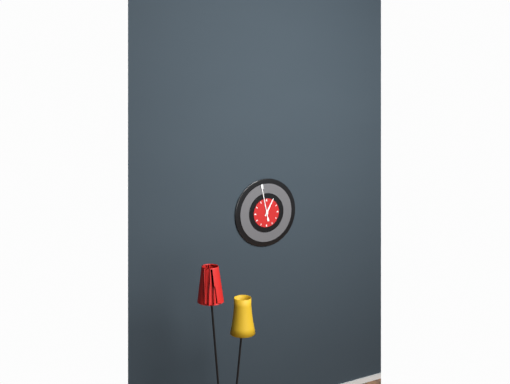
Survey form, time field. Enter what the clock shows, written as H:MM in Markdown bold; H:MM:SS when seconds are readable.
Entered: **12:58**
